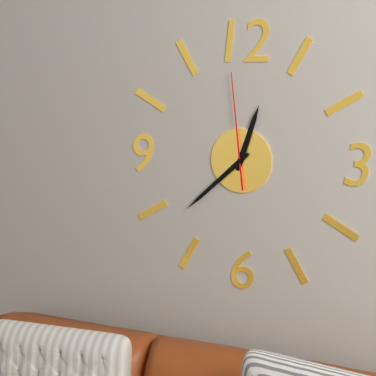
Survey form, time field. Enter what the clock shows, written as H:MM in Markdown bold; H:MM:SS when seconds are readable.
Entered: **12:38:59**
